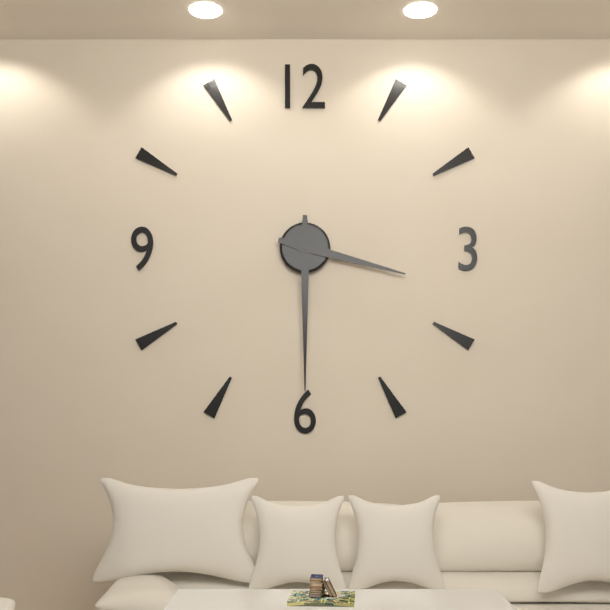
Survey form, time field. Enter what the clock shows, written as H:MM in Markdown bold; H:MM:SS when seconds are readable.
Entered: **3:30**
